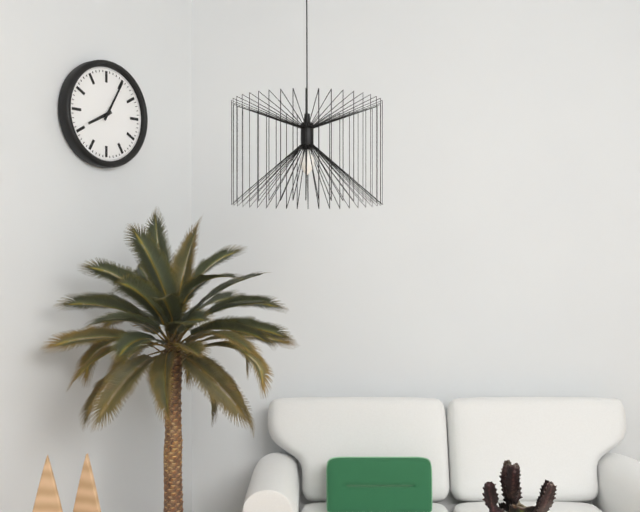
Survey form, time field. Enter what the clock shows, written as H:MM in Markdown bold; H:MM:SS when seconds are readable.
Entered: **8:05**
